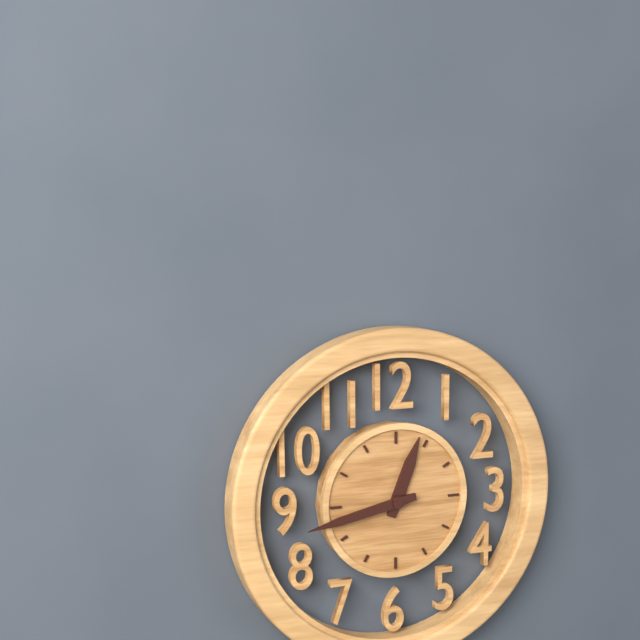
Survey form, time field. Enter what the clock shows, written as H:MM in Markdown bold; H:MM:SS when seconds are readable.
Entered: **12:43**
